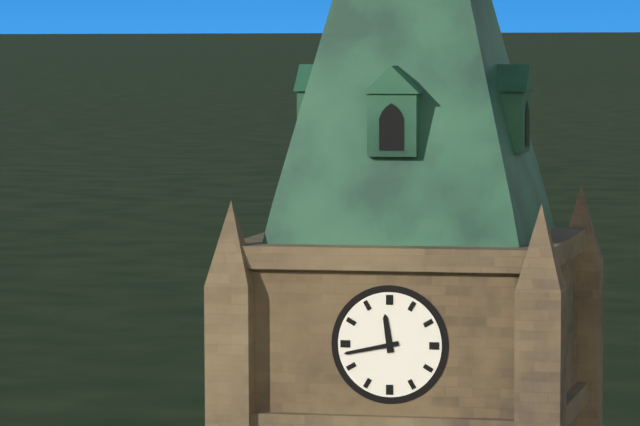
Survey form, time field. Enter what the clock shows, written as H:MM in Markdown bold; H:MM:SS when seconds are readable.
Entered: **11:43**
